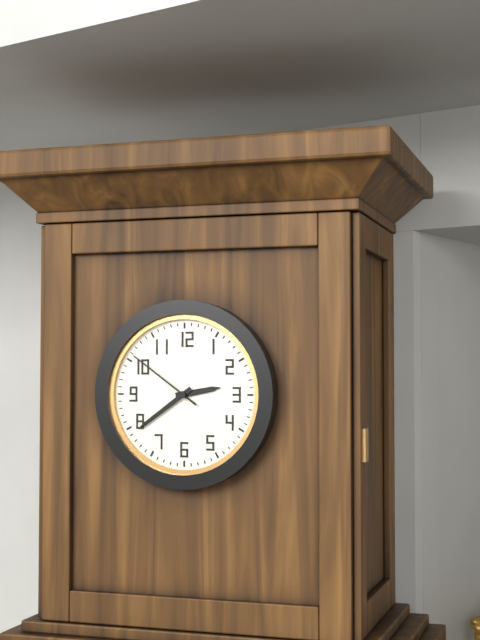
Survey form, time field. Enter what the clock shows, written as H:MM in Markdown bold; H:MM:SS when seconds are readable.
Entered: **2:39:51**
